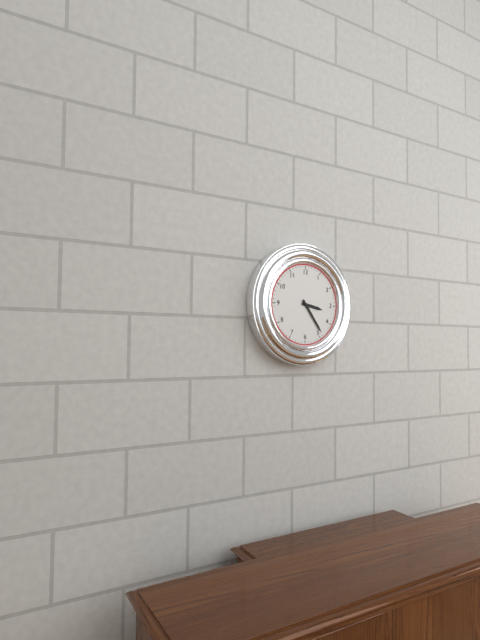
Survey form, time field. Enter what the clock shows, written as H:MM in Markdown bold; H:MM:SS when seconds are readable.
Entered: **3:24**
